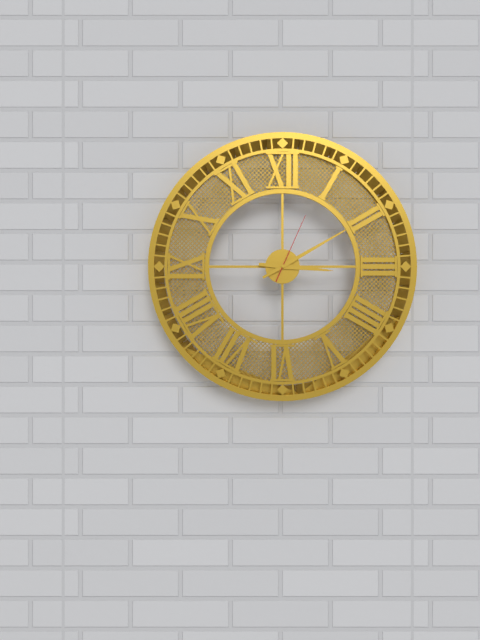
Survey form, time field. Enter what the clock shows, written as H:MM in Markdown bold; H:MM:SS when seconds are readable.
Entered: **3:10:04**
